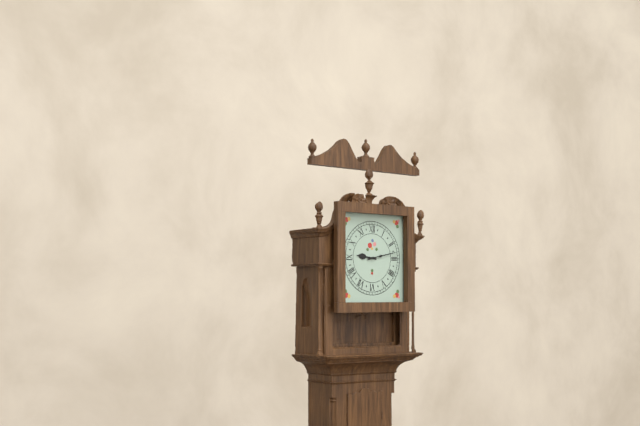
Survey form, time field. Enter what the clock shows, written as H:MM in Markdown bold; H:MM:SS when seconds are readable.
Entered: **9:13**
